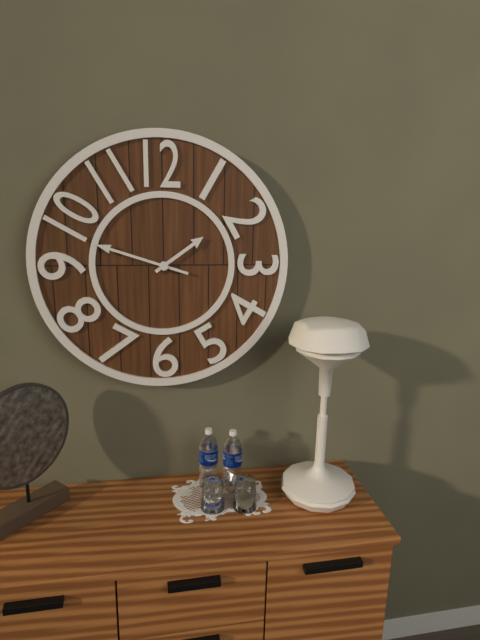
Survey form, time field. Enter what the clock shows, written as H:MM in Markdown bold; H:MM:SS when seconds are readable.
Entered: **1:48**
